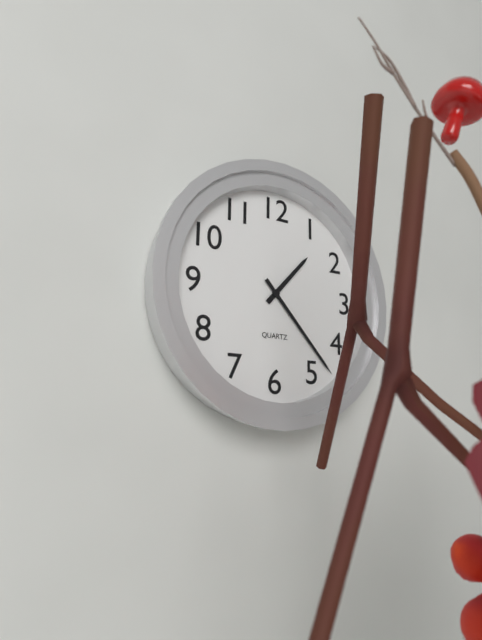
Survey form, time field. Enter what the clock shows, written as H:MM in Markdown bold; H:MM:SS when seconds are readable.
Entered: **1:23**
